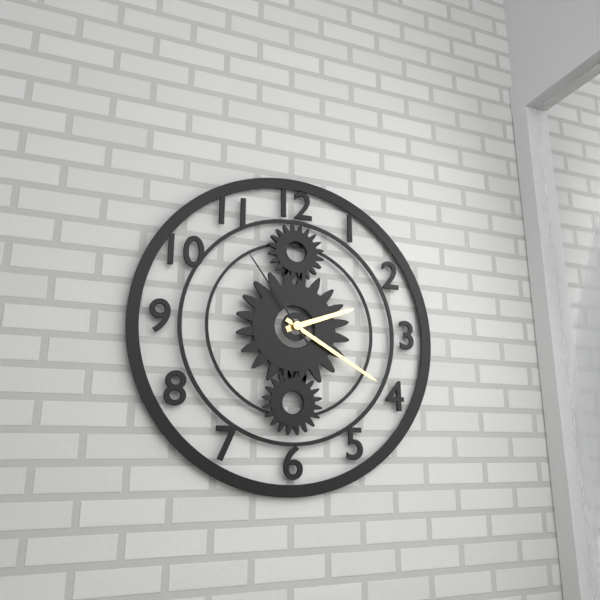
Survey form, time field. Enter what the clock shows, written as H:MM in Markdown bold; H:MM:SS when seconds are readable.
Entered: **2:20:54**
